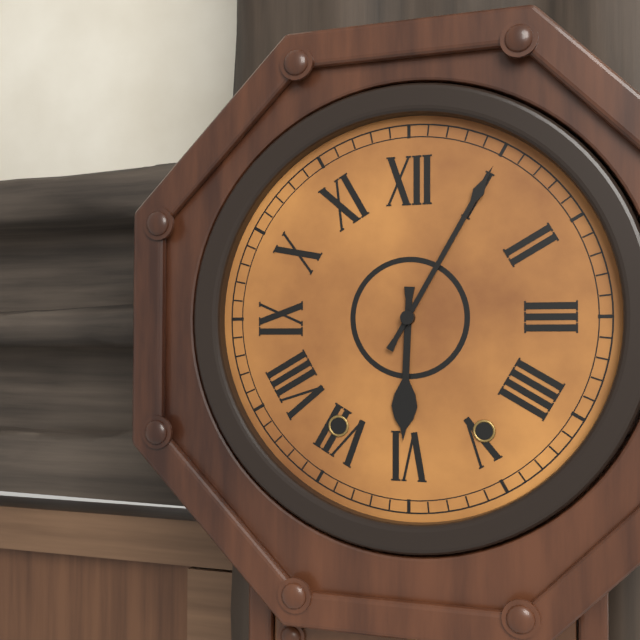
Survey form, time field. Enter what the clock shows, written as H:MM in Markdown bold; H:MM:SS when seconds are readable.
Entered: **6:05**
